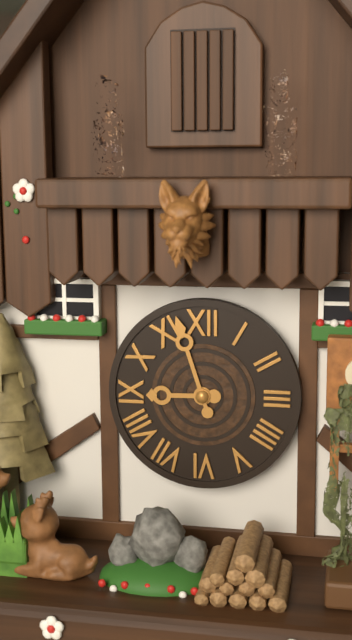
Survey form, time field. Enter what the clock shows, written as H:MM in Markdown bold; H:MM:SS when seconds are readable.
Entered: **8:57**
